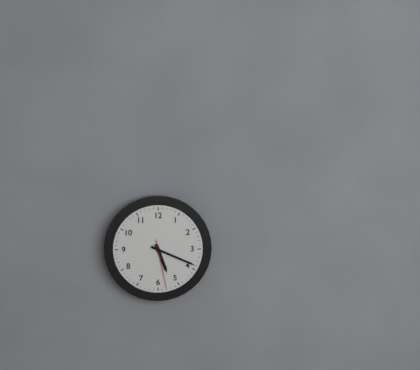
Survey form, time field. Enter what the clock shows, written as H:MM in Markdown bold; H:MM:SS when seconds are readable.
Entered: **5:19:28**
